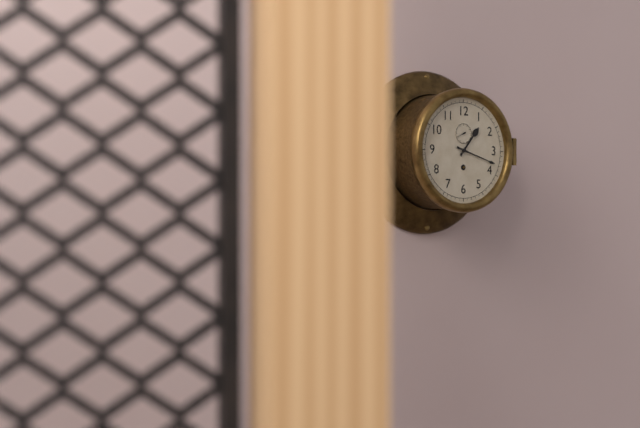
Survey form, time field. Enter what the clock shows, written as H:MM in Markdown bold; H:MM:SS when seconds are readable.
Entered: **1:18**
